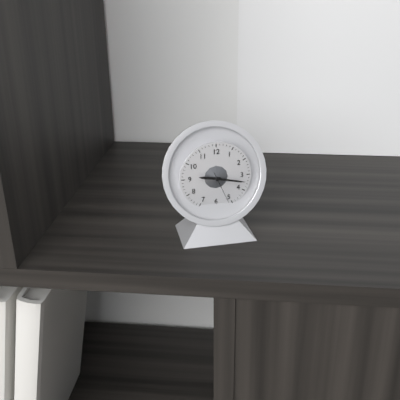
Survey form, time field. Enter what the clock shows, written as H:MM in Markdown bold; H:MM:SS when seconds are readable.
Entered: **9:17**
